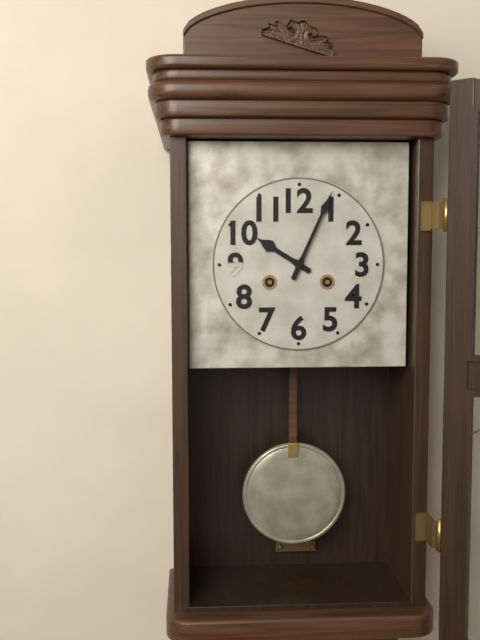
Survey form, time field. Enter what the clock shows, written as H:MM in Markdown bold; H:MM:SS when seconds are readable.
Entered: **10:04**
